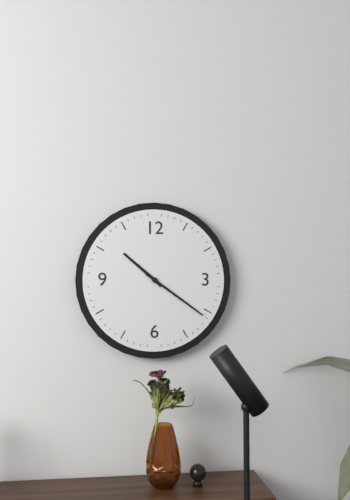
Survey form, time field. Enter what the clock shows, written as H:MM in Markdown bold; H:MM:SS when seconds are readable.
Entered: **10:21**
